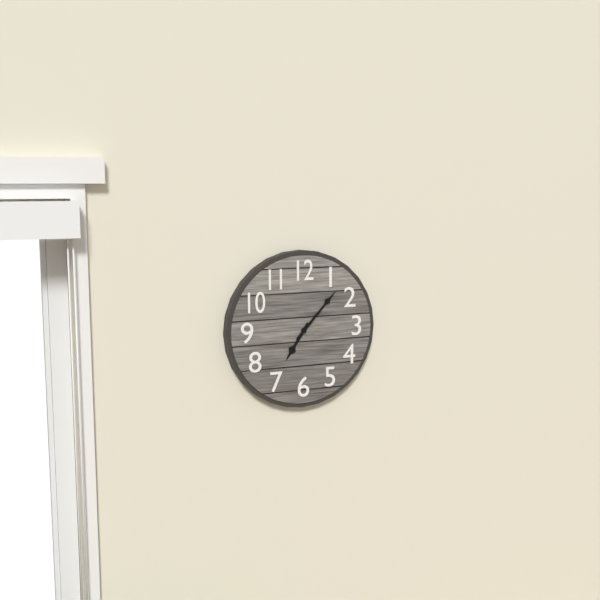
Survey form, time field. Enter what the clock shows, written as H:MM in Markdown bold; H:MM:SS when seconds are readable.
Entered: **7:07**
